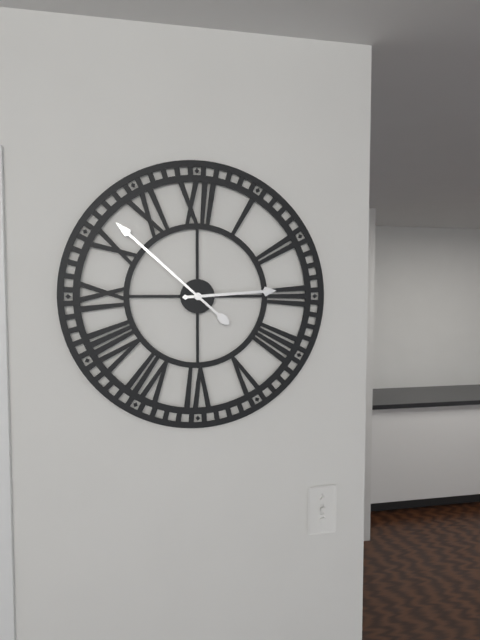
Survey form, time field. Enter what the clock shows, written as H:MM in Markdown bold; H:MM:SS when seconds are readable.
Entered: **2:52**
